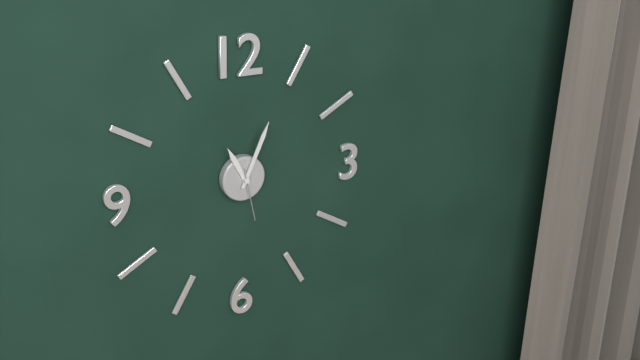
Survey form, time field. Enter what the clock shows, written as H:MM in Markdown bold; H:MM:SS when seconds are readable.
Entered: **11:04:28**
